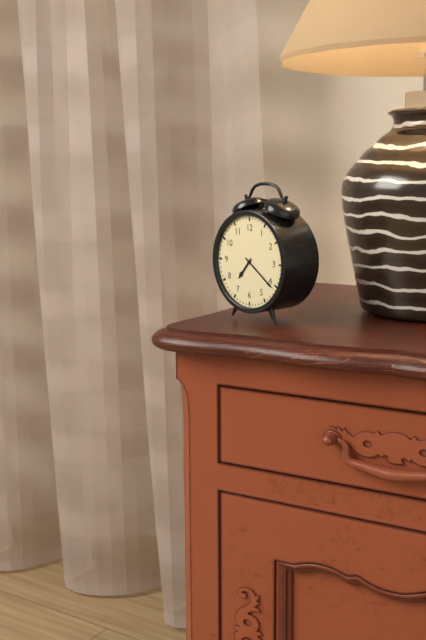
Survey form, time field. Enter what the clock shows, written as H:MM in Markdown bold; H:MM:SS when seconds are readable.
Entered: **7:21**
